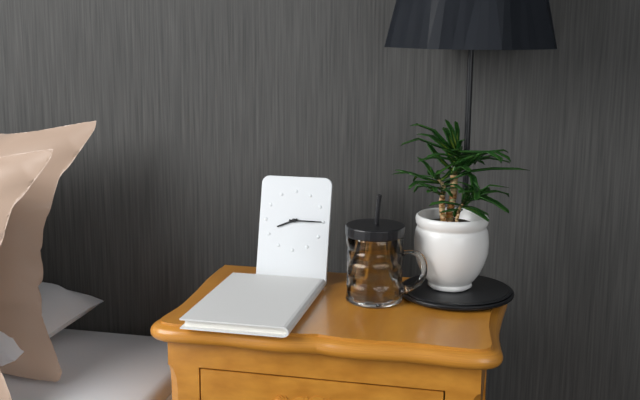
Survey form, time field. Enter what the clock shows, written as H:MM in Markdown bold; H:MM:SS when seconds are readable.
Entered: **8:15**
